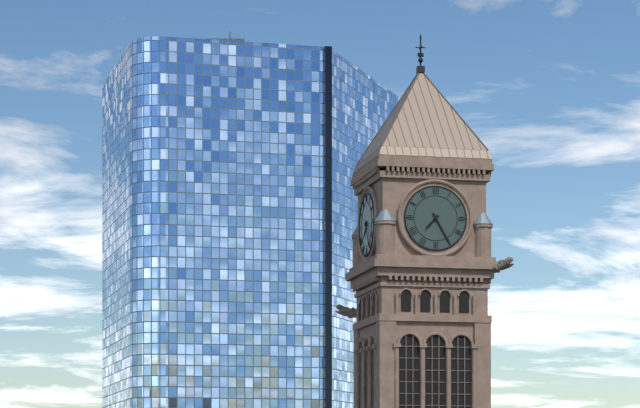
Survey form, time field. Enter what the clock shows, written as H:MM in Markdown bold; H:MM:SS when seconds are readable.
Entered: **7:25**
